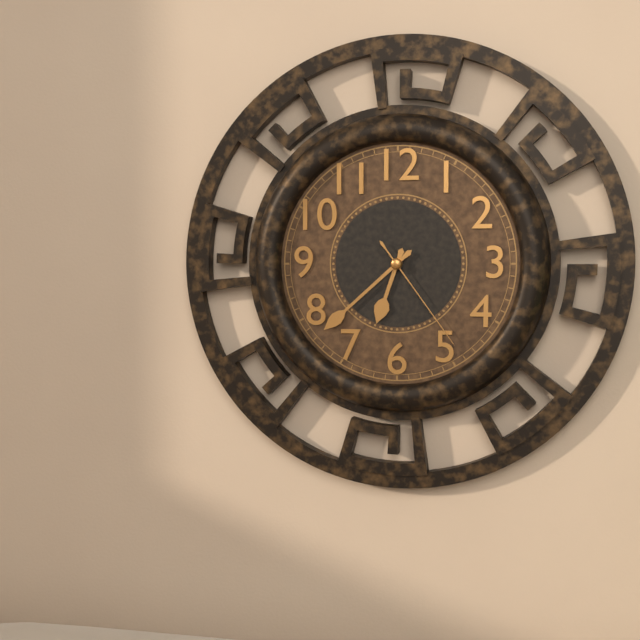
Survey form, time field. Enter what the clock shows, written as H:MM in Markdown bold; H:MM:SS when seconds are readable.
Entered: **6:38:24**
